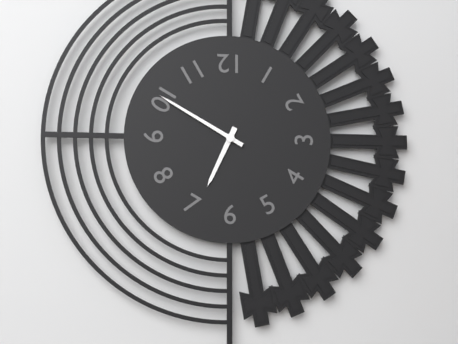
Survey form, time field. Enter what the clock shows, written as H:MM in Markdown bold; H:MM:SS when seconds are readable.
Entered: **6:50**
